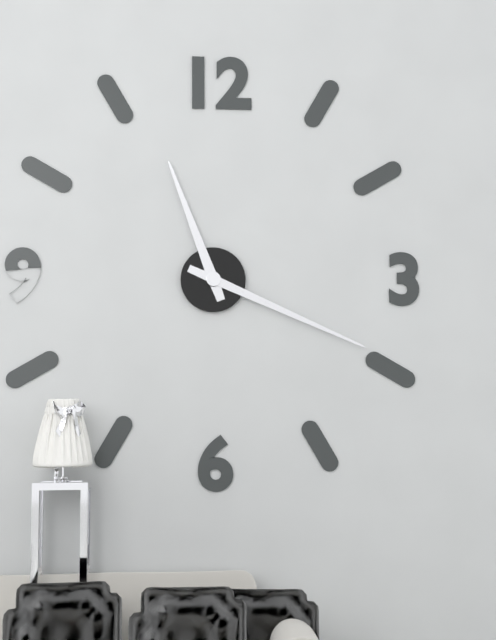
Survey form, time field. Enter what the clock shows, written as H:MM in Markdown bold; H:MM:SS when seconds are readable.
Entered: **11:19**
